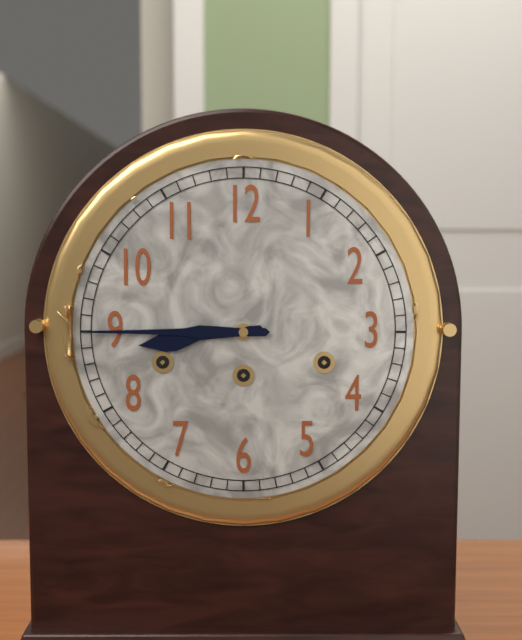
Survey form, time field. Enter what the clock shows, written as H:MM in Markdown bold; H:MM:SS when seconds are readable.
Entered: **8:45**
